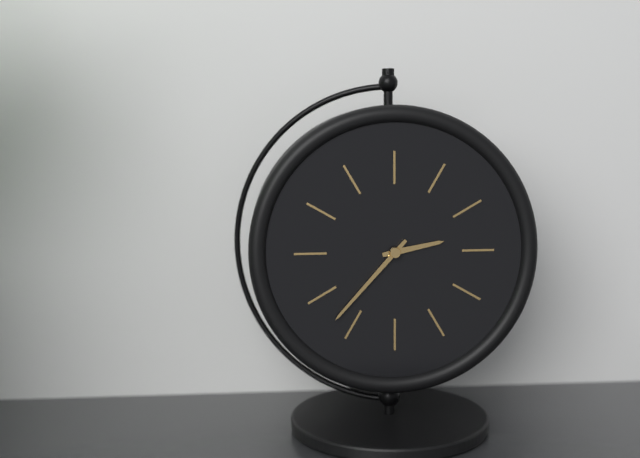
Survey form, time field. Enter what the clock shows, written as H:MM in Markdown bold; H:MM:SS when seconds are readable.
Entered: **2:37**
